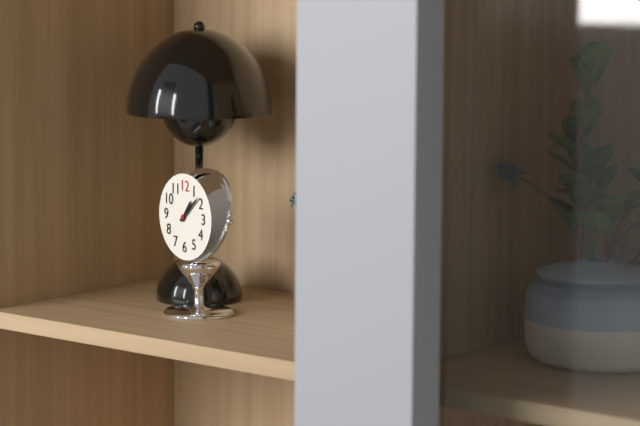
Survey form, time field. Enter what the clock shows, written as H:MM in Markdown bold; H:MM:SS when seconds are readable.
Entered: **1:08**
